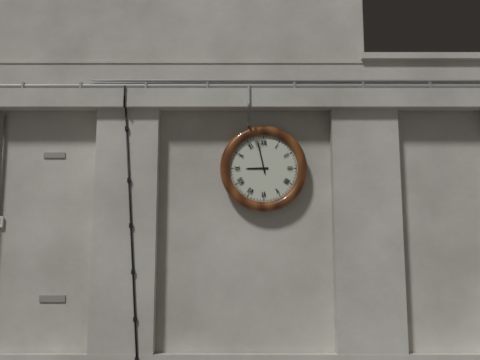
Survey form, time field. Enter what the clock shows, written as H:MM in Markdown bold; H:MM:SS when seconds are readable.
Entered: **8:58**
